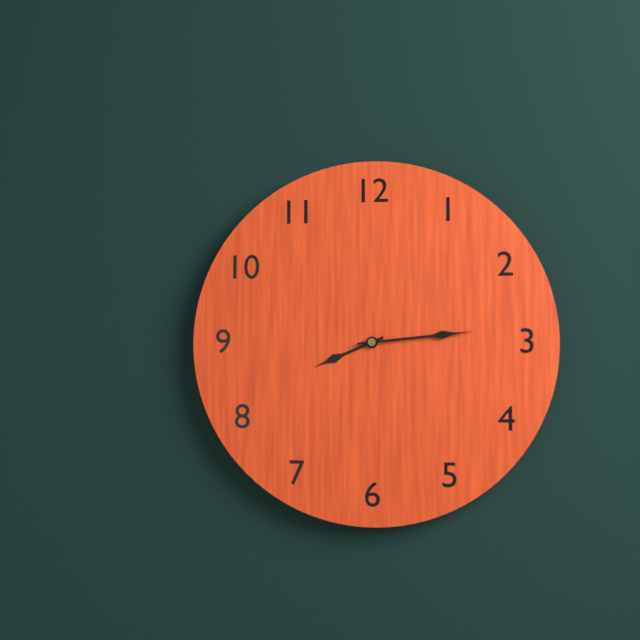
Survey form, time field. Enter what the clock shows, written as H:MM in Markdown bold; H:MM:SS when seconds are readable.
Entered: **8:14**
